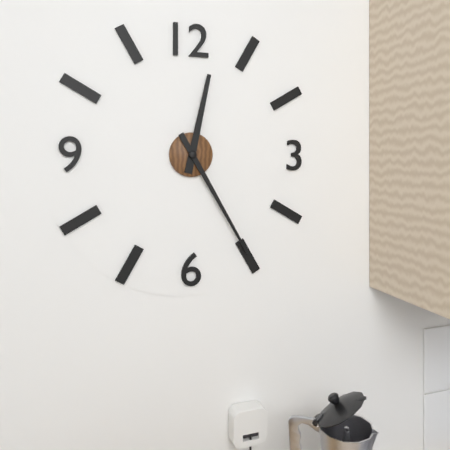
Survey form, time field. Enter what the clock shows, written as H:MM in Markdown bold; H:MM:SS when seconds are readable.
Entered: **12:25**
